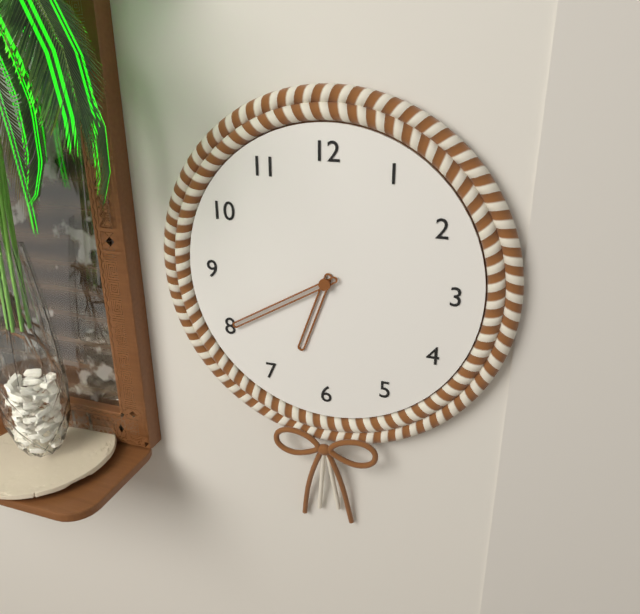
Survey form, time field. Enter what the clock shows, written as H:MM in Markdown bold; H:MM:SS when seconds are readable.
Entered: **6:40**
